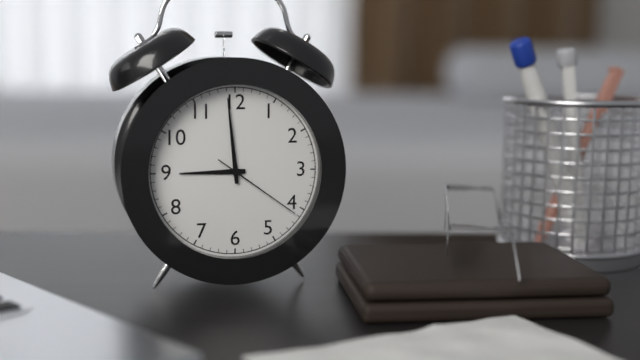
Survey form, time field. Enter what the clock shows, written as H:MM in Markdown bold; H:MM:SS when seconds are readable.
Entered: **8:59:21**
